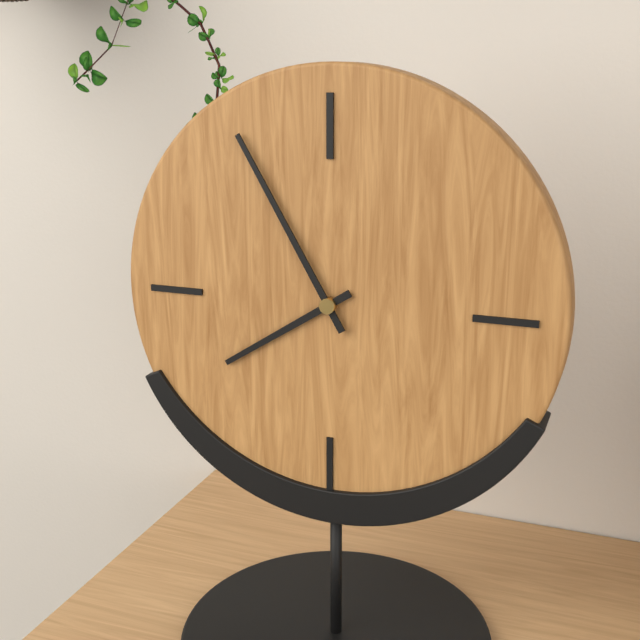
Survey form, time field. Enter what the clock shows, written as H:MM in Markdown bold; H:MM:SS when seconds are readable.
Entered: **7:55**
